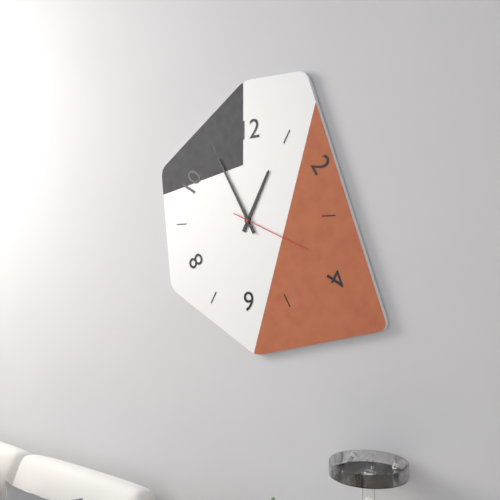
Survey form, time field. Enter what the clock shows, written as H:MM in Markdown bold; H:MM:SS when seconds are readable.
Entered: **12:55:19**
